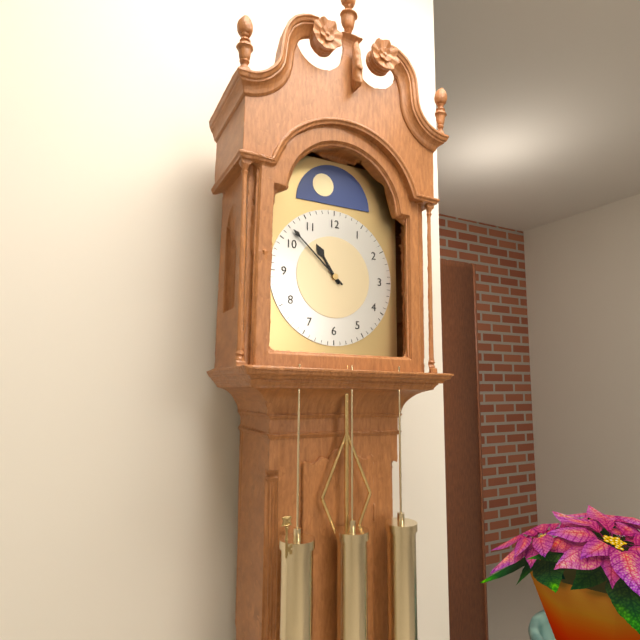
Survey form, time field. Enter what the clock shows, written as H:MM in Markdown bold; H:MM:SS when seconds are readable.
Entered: **10:52**
